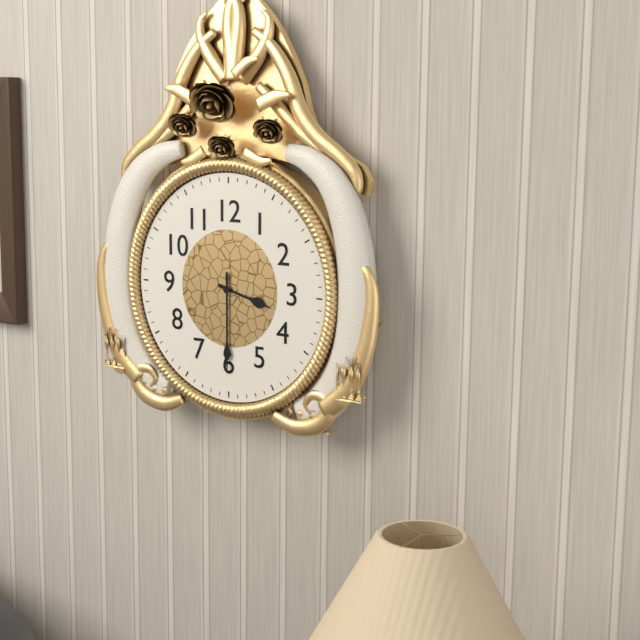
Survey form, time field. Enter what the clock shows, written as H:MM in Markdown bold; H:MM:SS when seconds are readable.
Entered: **3:30**
